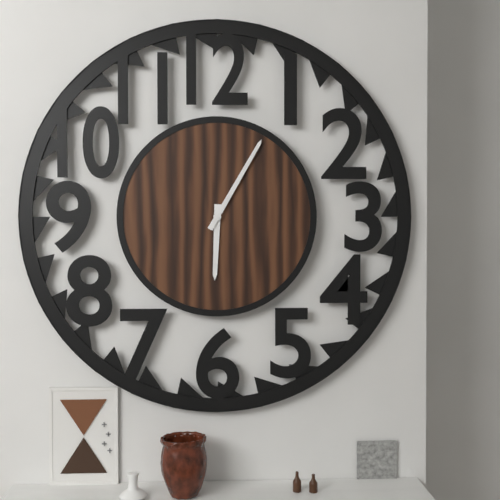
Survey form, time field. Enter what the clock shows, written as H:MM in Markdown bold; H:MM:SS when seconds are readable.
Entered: **6:05**
